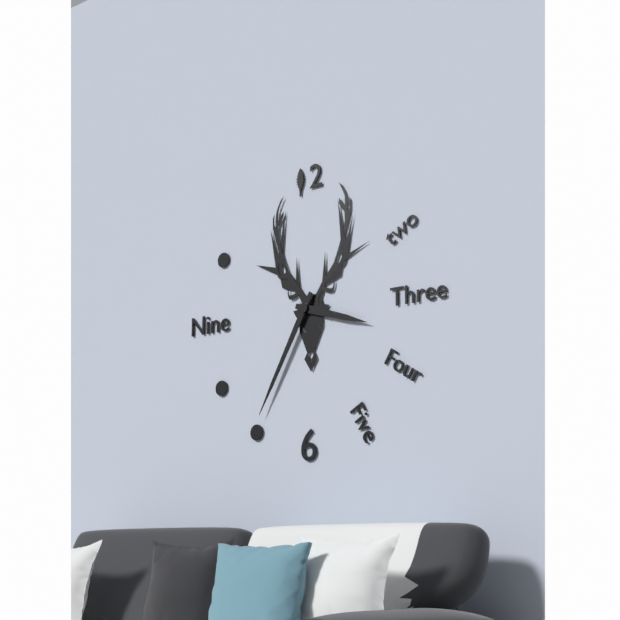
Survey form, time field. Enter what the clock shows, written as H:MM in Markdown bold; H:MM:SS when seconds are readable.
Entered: **3:35**
